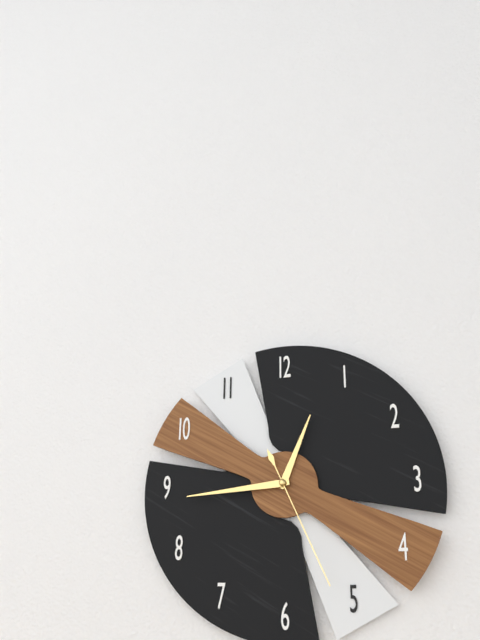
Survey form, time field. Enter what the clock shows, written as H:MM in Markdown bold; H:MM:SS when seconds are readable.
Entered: **12:44:26**
